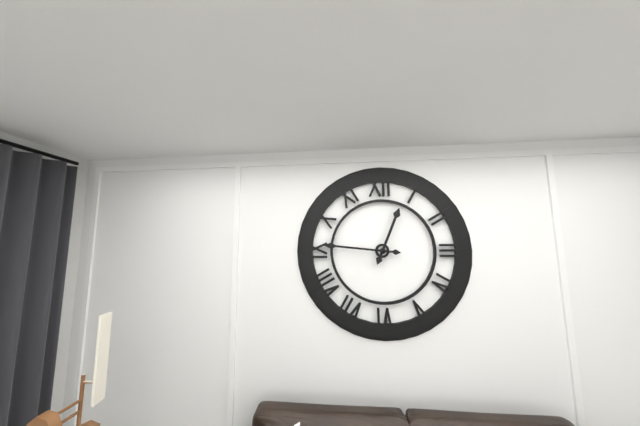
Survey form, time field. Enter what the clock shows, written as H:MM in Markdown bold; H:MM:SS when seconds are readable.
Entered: **12:46**
